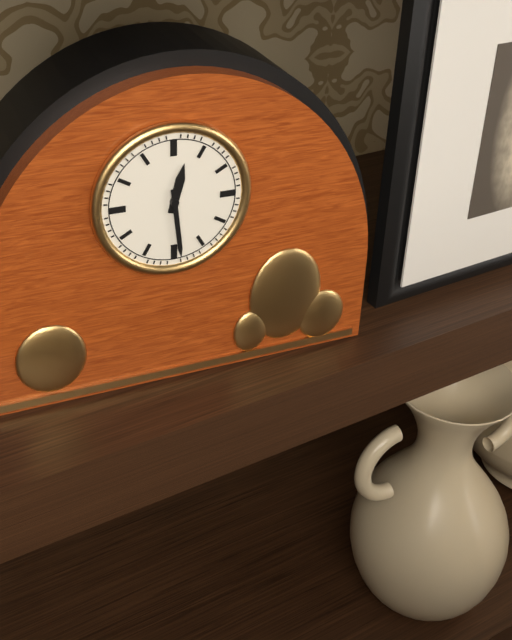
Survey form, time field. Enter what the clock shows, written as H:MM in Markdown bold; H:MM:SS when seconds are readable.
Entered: **12:29**
